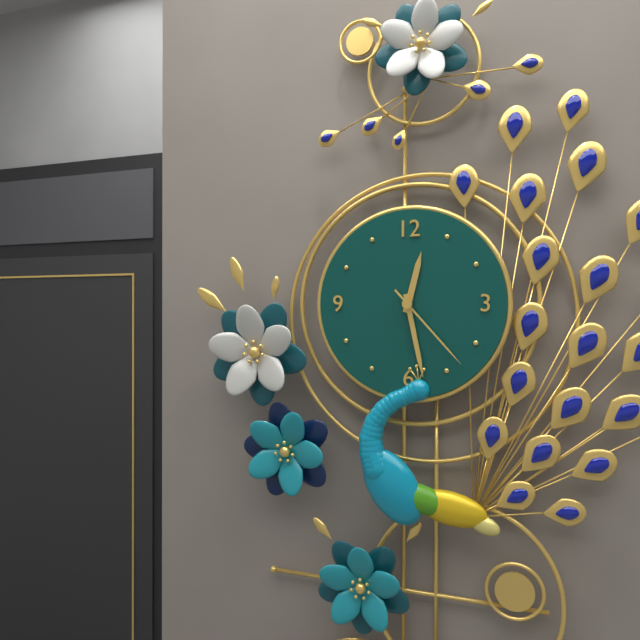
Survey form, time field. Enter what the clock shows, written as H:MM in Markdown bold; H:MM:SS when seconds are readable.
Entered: **12:28:23**
